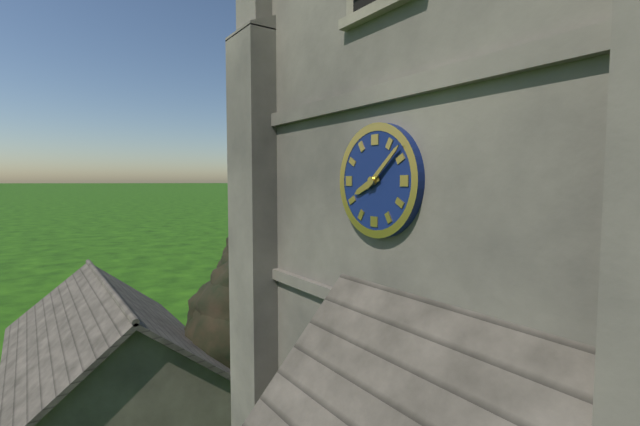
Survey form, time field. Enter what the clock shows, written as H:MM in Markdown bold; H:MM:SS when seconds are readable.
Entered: **8:08**
